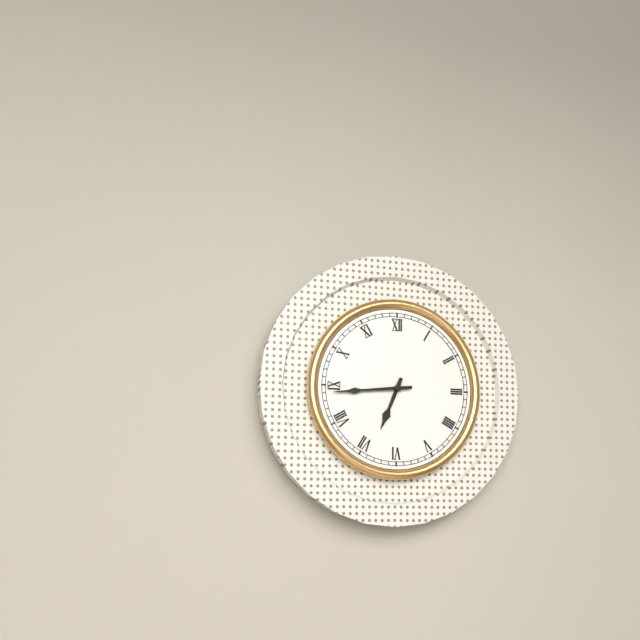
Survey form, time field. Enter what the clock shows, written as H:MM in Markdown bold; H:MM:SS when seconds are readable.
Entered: **6:44**
